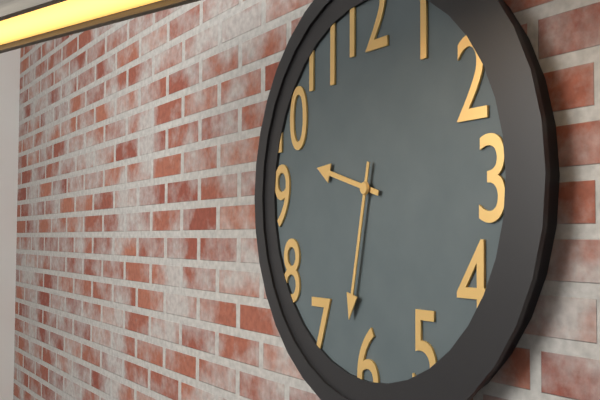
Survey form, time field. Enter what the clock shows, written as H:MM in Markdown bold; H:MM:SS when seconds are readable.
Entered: **9:32**
